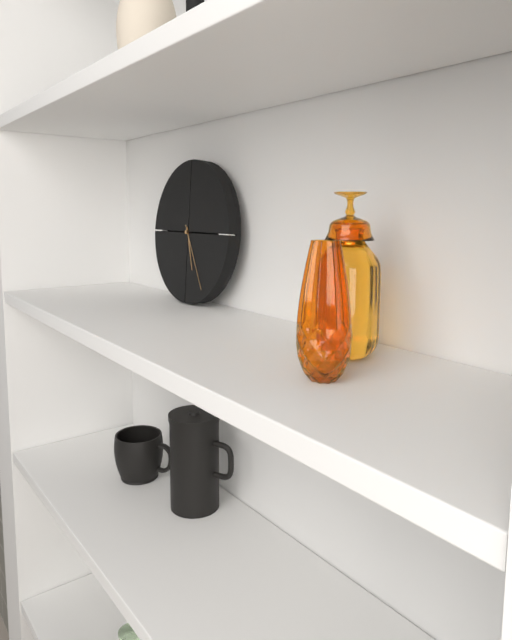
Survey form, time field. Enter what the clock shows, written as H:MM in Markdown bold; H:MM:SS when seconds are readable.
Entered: **5:25**
